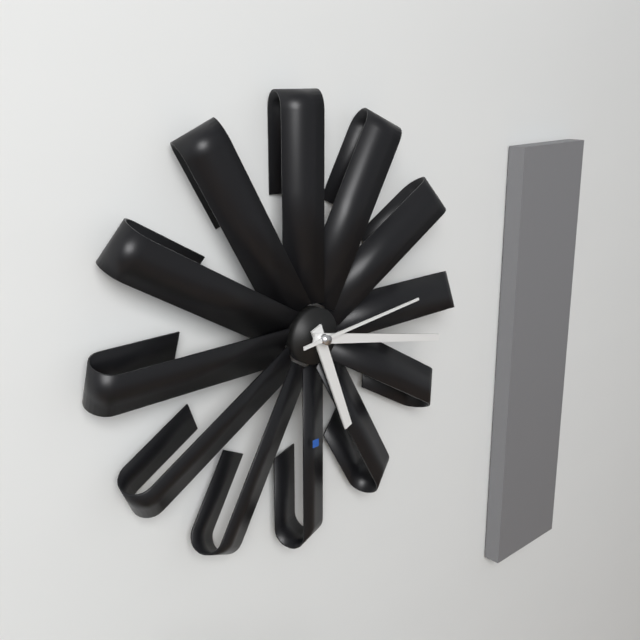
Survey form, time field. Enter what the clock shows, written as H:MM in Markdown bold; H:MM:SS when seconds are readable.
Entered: **5:17:14**
